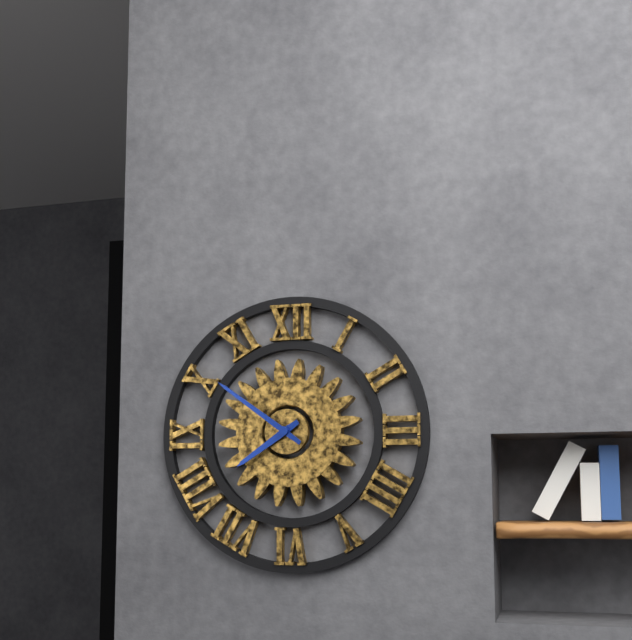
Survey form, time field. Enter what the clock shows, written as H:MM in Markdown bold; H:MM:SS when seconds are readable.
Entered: **7:51**
